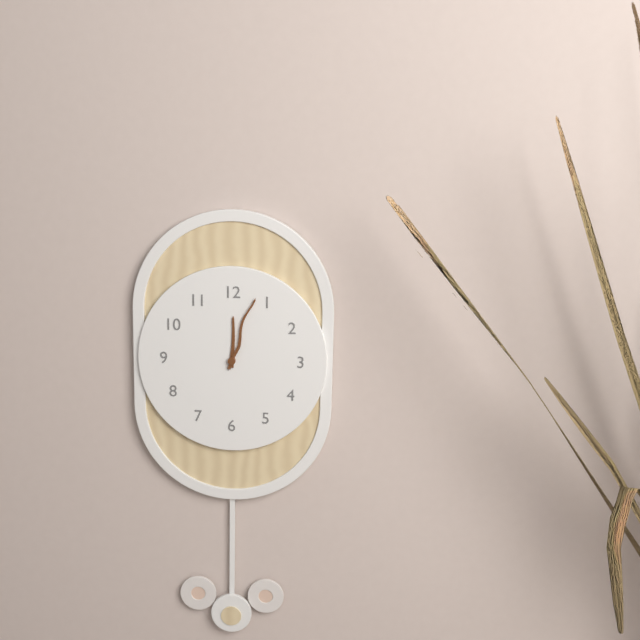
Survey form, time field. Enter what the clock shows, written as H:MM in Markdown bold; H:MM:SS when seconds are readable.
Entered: **12:03**
